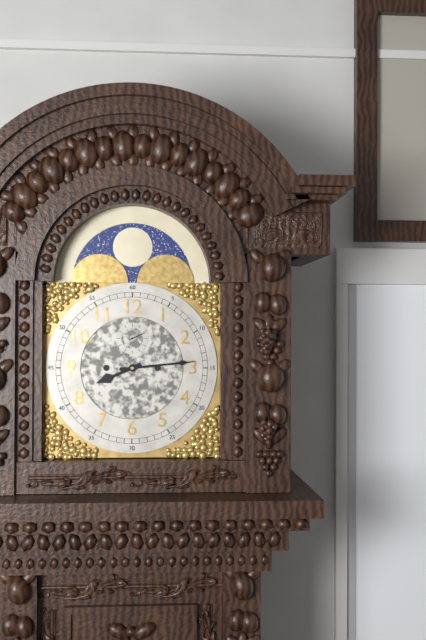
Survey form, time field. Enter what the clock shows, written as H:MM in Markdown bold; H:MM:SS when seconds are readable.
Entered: **8:14**
